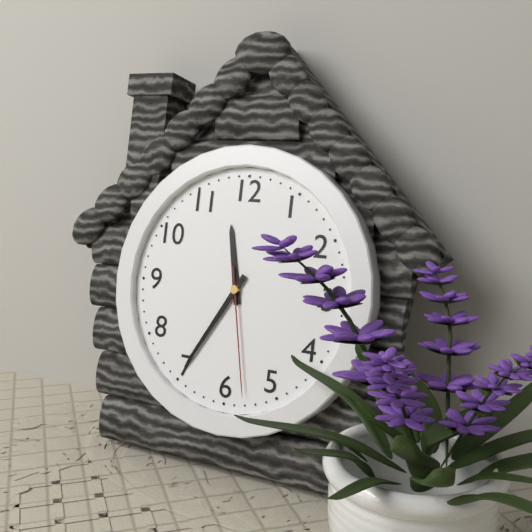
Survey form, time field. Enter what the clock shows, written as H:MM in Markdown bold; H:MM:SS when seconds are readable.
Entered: **11:35:28**
